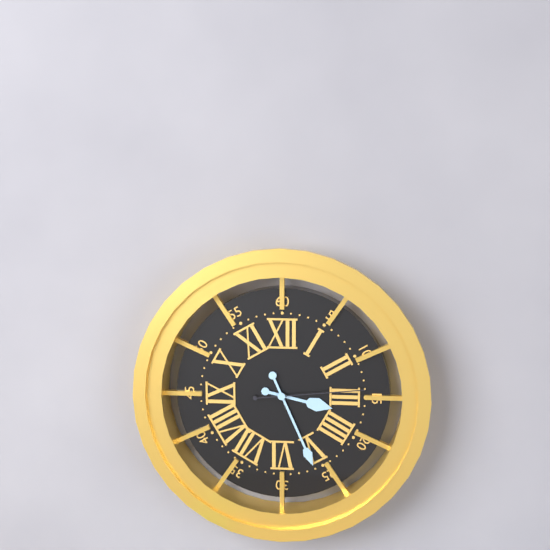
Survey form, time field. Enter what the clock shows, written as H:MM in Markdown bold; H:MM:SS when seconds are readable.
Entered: **3:26:14**
